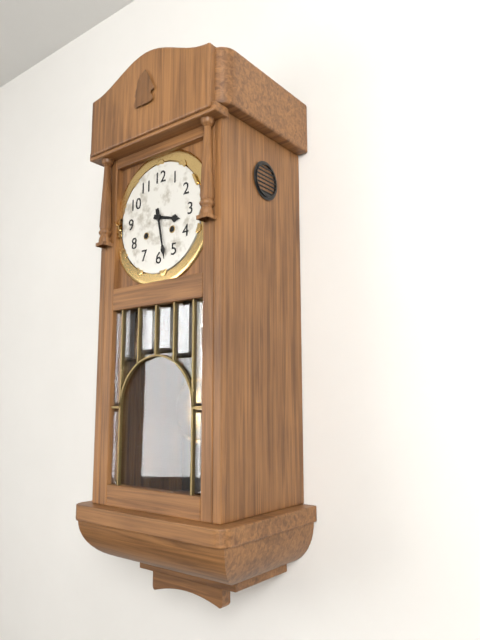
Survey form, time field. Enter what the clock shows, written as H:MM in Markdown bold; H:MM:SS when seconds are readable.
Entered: **3:28**
